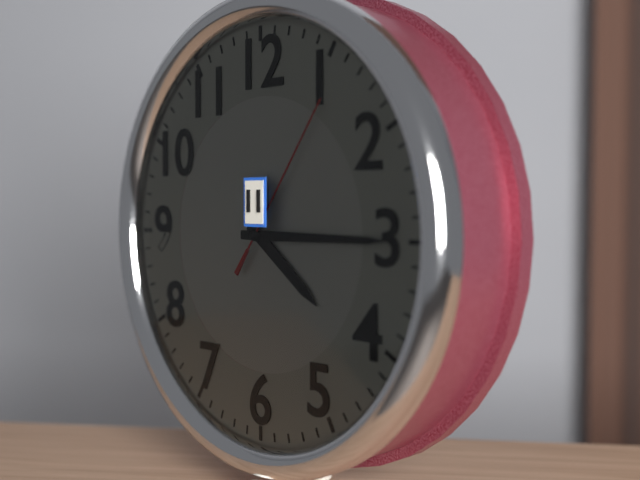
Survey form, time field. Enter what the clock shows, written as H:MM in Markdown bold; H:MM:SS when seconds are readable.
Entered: **4:15:06**
